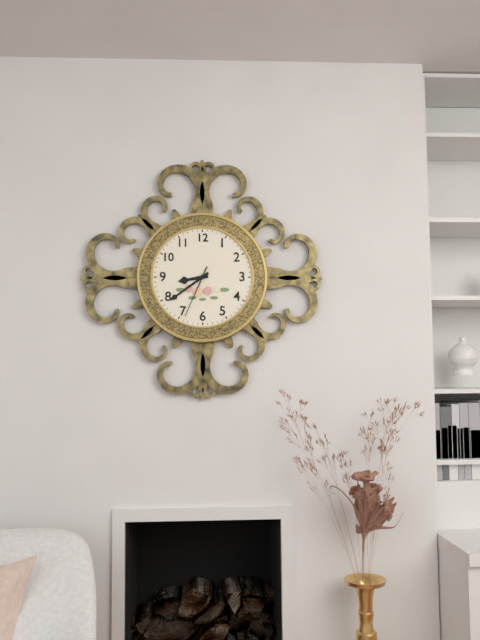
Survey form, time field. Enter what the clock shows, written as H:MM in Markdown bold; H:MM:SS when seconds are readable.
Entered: **8:39:34**
